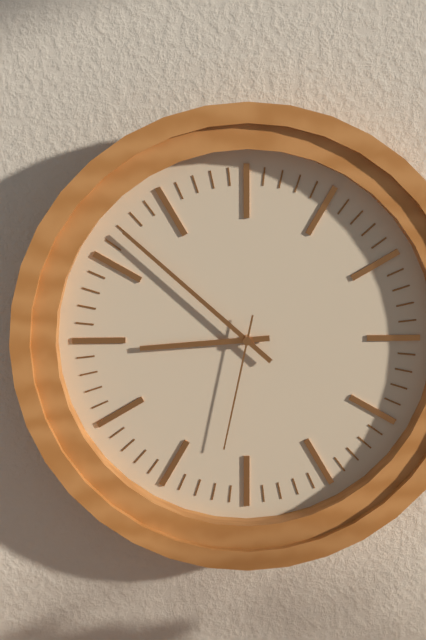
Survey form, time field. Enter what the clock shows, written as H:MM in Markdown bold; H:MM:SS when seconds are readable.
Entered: **8:52:32**
